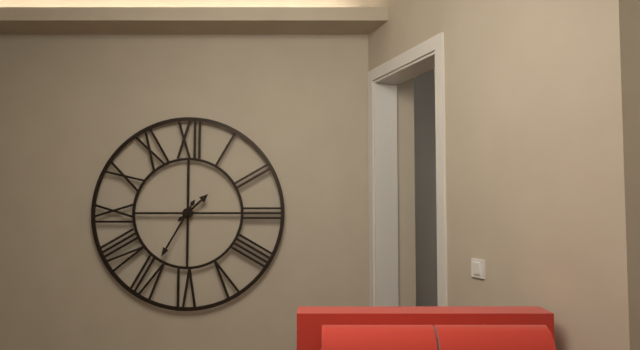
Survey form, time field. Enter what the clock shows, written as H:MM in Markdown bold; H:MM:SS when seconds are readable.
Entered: **1:35**
